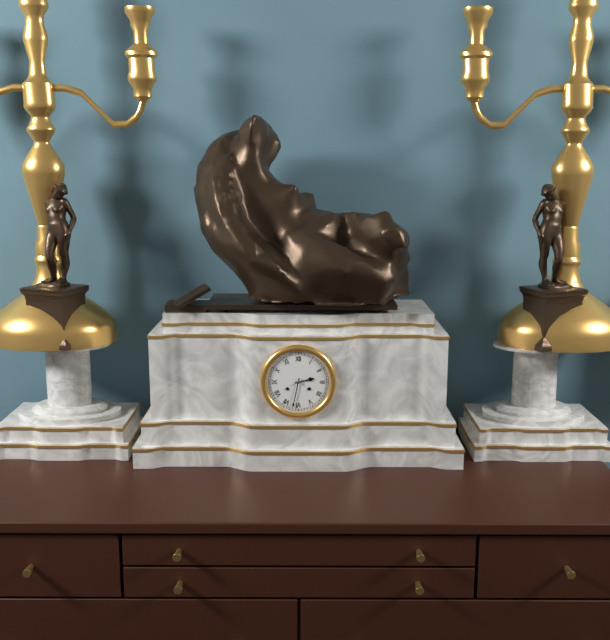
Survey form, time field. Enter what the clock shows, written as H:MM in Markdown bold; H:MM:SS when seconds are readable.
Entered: **2:32**
